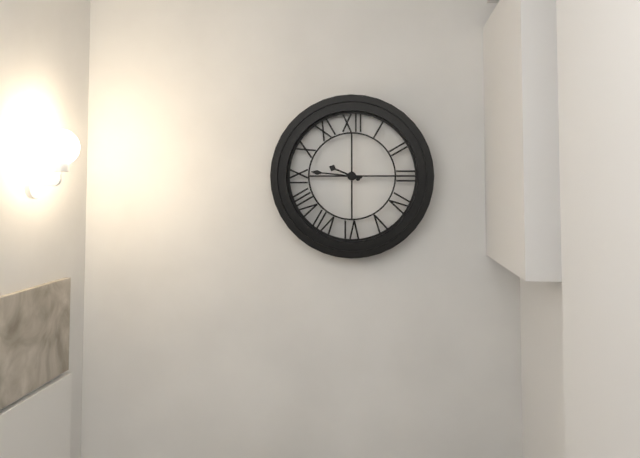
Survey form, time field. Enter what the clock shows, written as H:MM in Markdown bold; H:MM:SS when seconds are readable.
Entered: **9:46**
